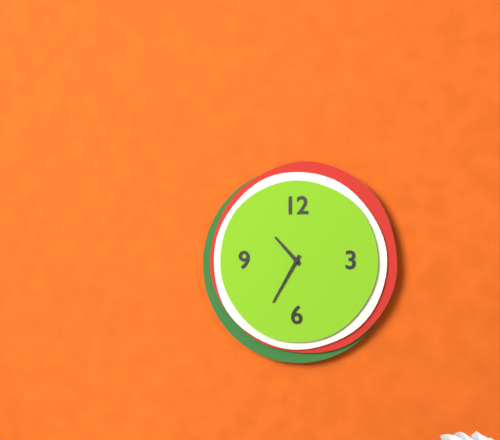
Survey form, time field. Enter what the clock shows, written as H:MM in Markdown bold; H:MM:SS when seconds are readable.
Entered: **10:35**
